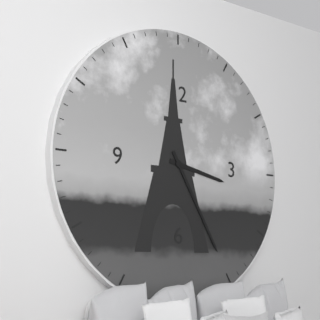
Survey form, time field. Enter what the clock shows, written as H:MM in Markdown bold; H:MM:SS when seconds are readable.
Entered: **3:25**
